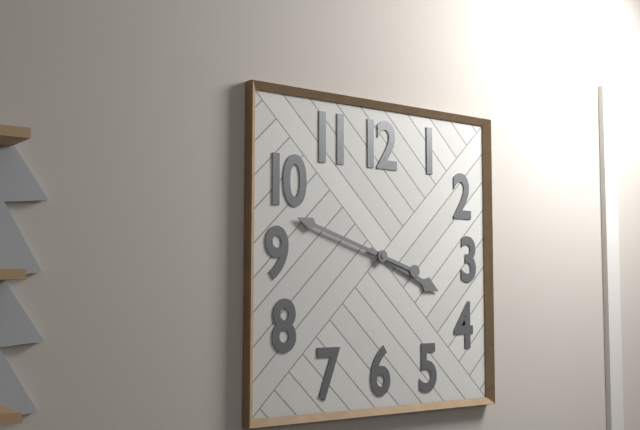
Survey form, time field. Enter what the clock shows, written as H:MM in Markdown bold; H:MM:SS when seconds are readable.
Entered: **3:48**
